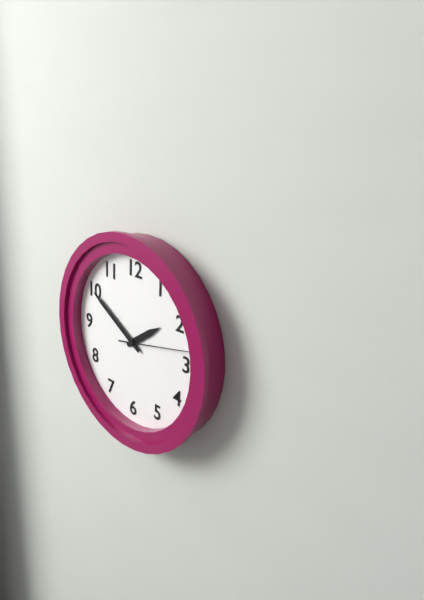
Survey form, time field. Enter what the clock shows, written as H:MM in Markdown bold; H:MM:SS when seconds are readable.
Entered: **1:50:13**
